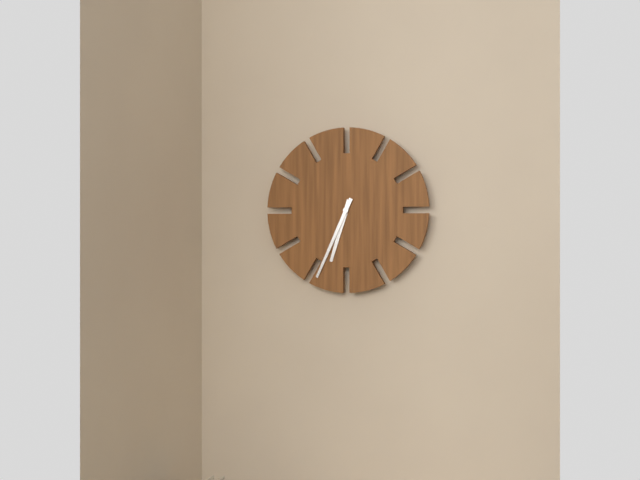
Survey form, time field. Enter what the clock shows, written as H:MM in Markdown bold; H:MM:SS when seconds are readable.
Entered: **6:34**
